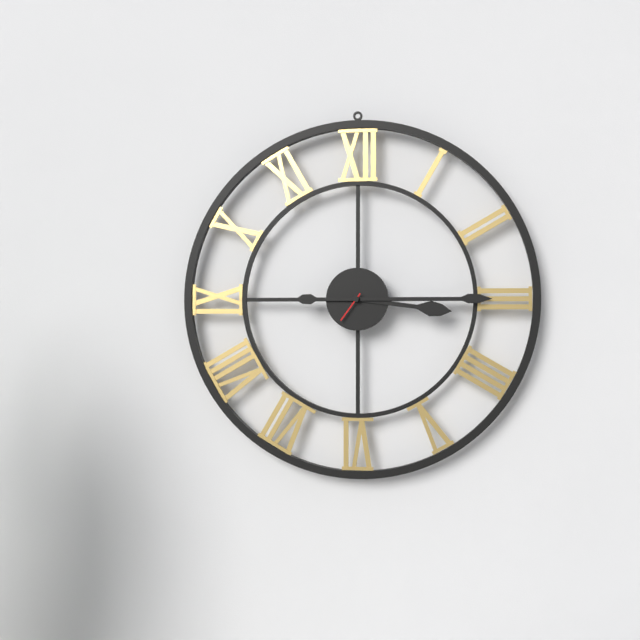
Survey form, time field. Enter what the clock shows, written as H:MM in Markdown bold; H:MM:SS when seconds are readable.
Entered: **3:15**
